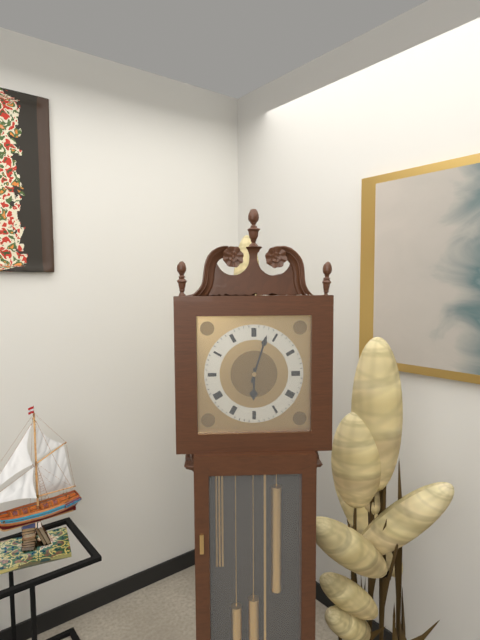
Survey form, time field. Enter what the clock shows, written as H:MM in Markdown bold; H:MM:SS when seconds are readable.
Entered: **6:03**
